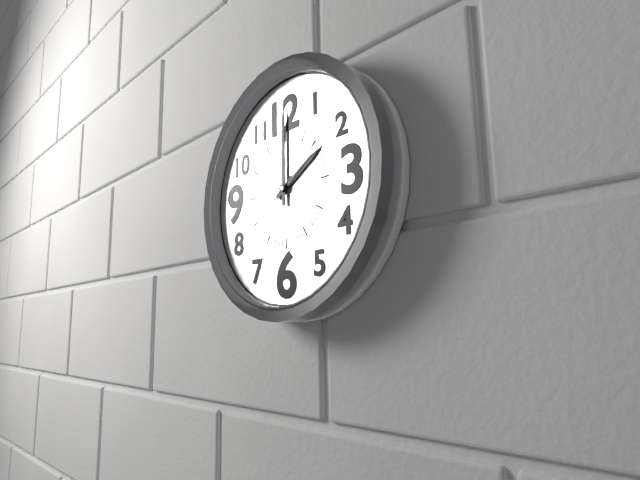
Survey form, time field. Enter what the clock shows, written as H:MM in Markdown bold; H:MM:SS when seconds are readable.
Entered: **2:00:09**
